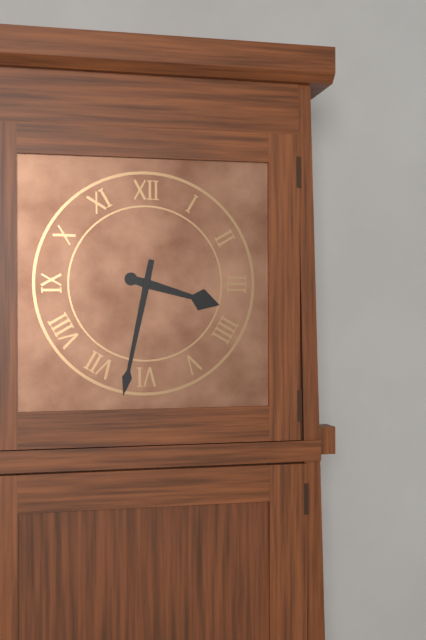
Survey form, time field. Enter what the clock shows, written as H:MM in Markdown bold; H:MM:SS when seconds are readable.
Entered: **3:32**
